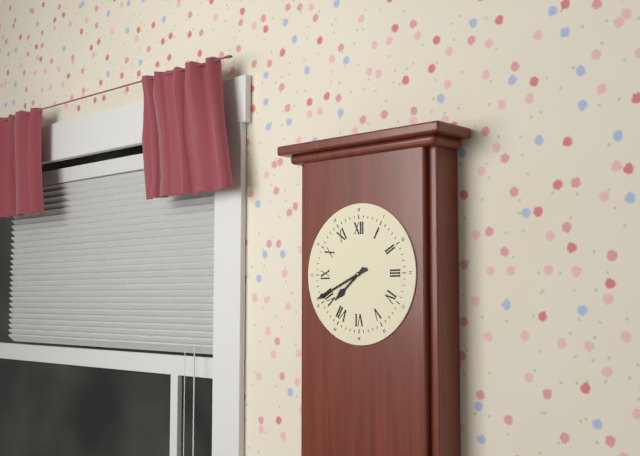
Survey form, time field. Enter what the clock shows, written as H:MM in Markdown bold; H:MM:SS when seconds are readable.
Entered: **7:41**
